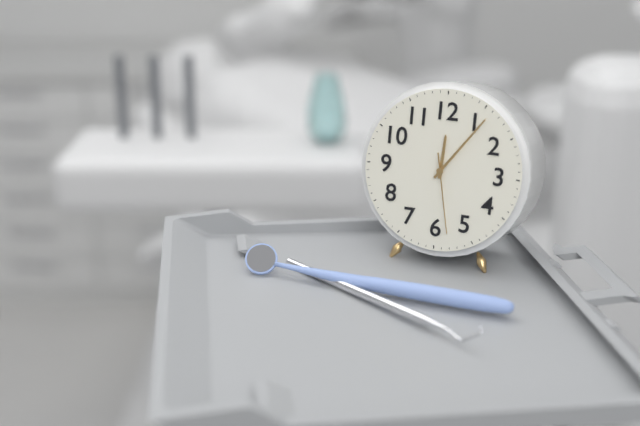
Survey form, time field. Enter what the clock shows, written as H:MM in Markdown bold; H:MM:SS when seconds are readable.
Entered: **12:06:28**
